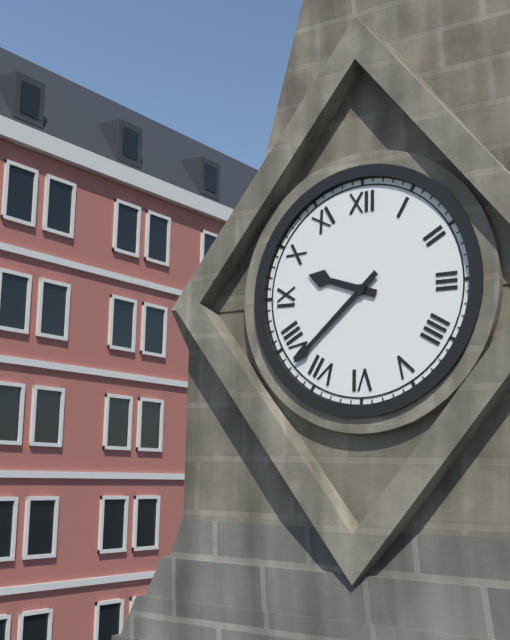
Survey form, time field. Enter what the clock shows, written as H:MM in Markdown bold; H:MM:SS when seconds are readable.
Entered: **9:38**
